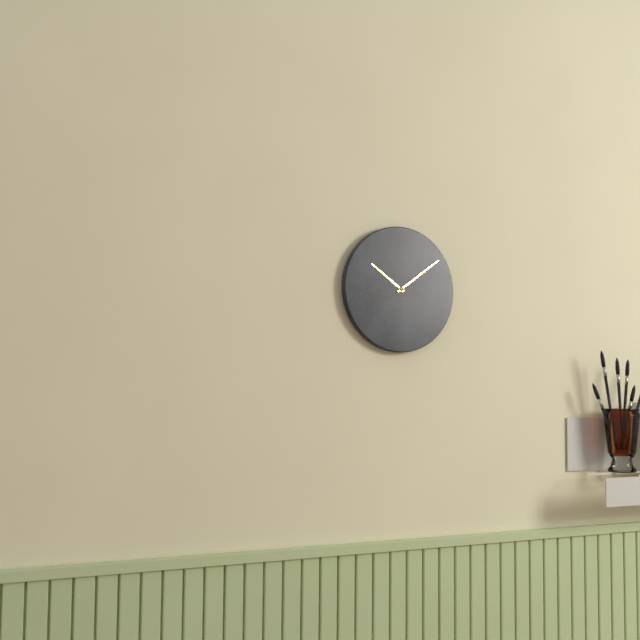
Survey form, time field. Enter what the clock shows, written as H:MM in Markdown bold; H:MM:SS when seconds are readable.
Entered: **10:09**
